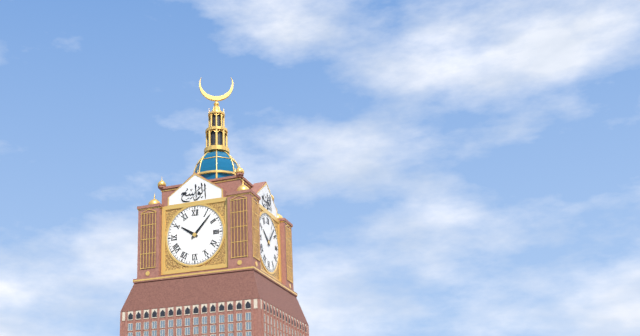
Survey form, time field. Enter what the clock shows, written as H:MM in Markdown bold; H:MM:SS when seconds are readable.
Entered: **10:07**
